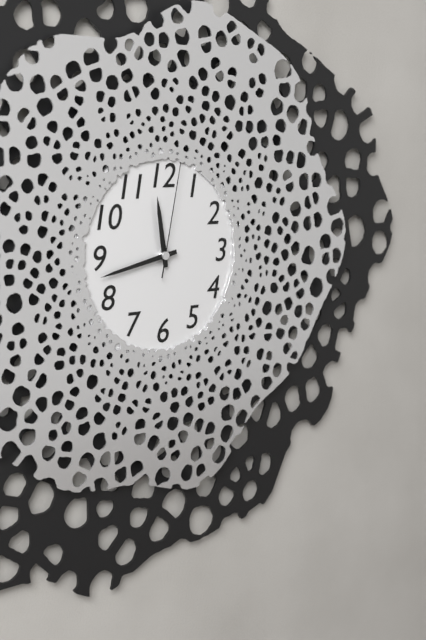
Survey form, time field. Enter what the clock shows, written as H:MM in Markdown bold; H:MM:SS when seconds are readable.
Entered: **11:43:02**
